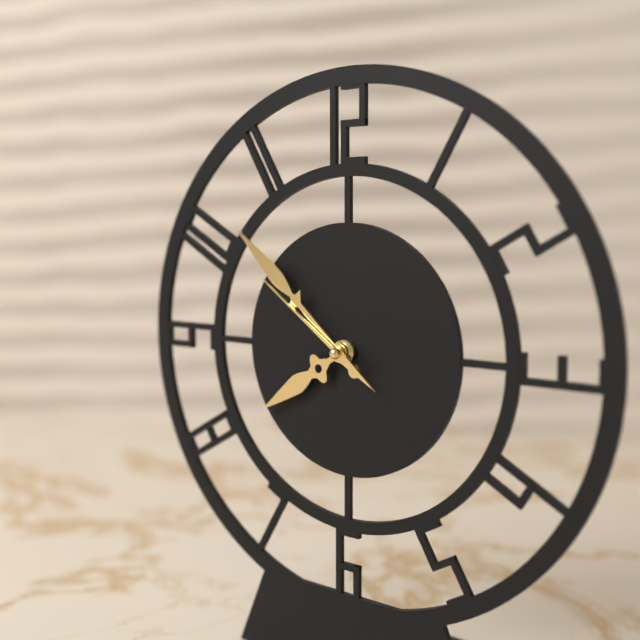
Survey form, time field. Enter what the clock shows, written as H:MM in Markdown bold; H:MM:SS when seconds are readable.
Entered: **7:52:51**
